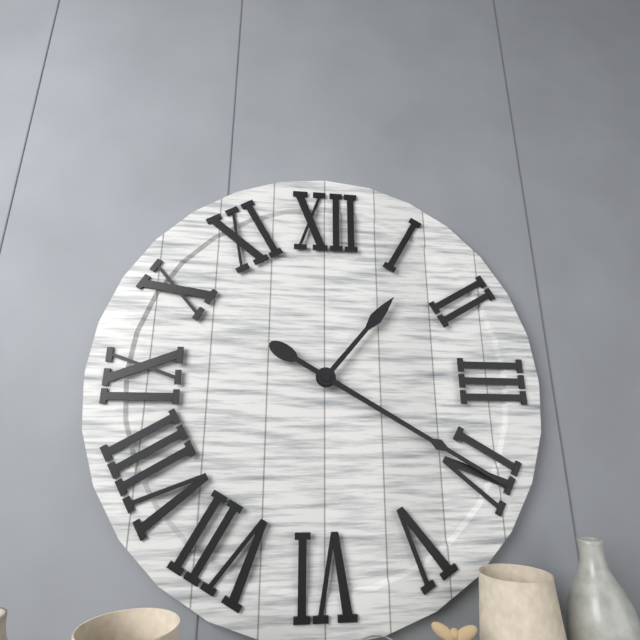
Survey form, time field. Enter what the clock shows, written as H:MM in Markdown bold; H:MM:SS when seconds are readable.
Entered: **1:20**
